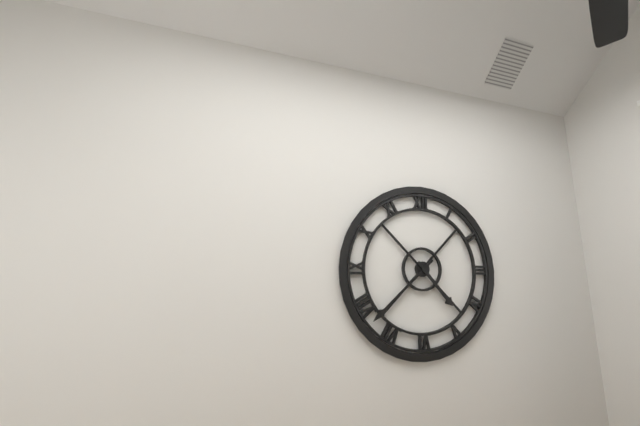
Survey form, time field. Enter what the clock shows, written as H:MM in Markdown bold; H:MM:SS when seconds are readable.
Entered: **4:38**
